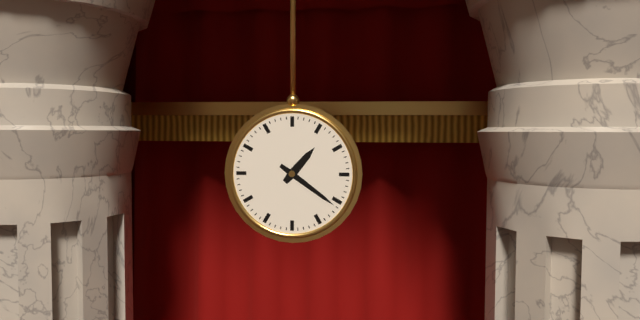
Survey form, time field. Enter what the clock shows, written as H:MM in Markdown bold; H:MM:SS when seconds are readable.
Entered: **1:21**
